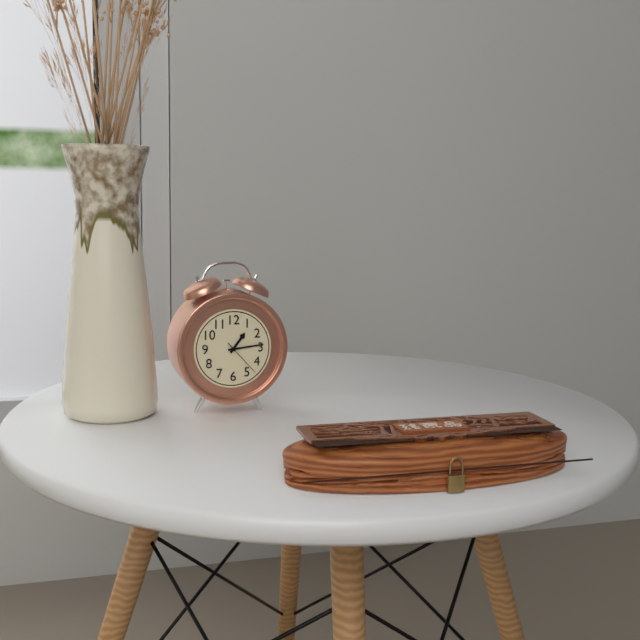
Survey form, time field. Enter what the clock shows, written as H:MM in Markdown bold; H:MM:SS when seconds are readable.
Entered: **1:14**
